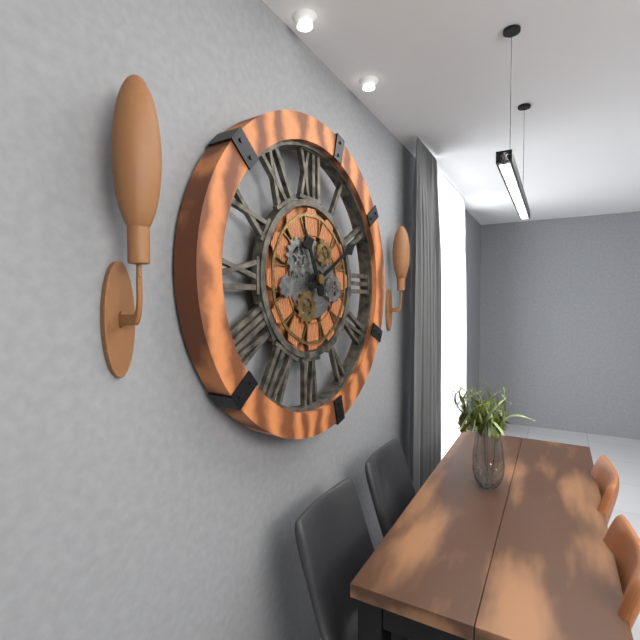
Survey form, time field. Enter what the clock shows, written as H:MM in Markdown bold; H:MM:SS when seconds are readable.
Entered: **11:10**
